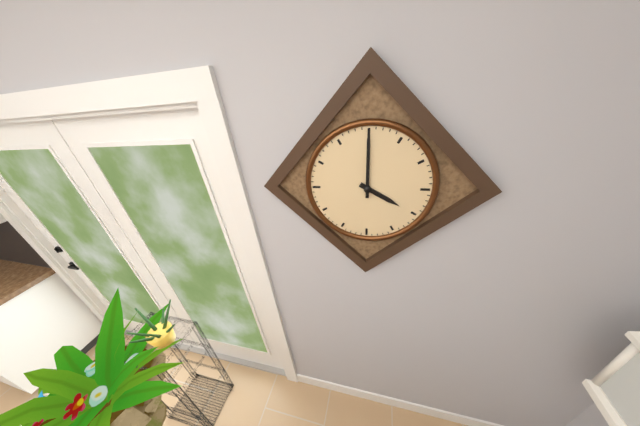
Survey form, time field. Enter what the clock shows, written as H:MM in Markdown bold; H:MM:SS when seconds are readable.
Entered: **4:00**
